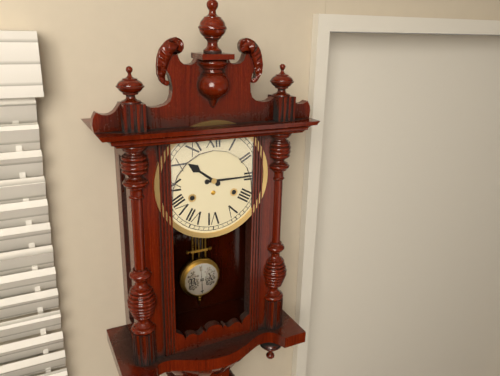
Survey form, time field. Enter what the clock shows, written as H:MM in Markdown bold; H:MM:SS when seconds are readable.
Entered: **10:15**
